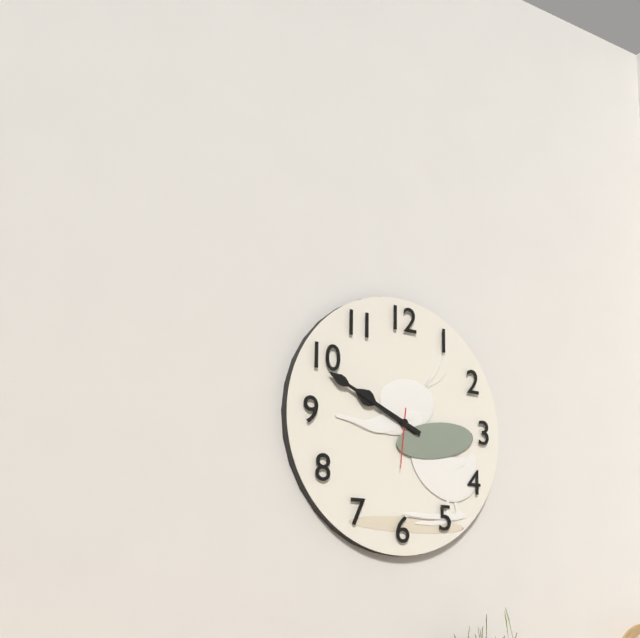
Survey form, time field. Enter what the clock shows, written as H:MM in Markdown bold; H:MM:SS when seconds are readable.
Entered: **9:49:31**
